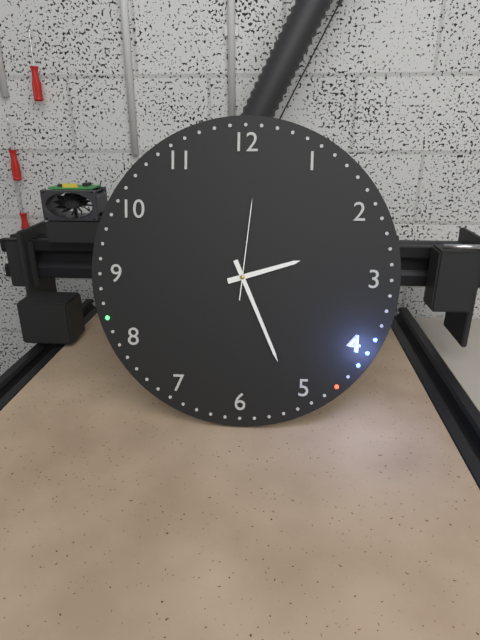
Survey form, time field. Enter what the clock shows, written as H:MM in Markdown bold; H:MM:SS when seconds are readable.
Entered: **2:26:01**
